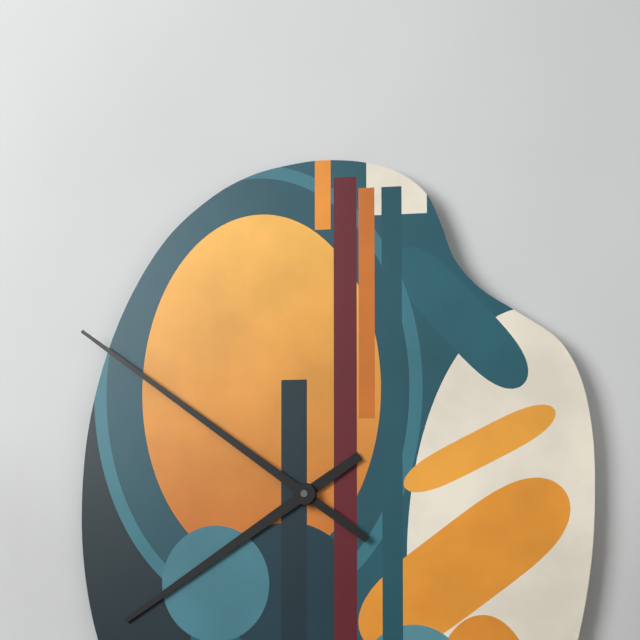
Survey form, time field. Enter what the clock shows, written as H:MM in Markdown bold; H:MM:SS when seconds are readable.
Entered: **7:51**
